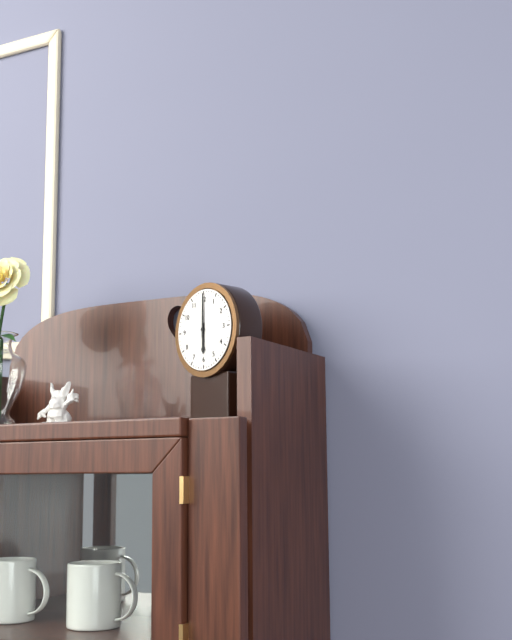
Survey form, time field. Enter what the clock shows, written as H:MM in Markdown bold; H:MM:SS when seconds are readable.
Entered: **6:00**
